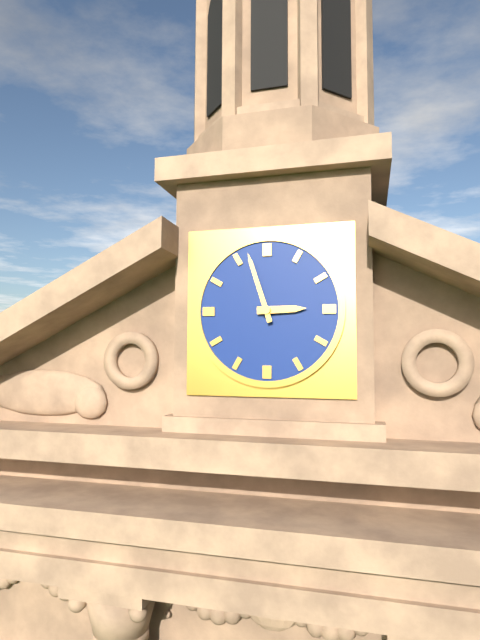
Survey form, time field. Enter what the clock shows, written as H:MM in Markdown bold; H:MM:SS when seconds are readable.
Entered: **2:57**
